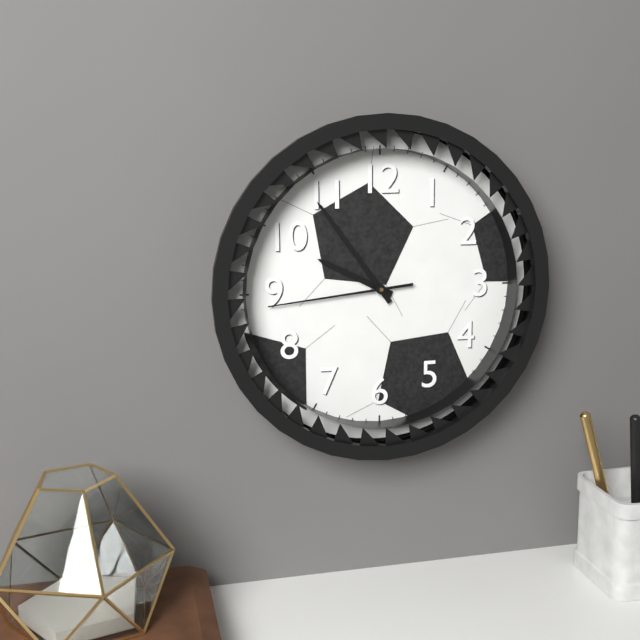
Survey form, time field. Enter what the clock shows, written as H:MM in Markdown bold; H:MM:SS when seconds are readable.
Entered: **9:54:44**
